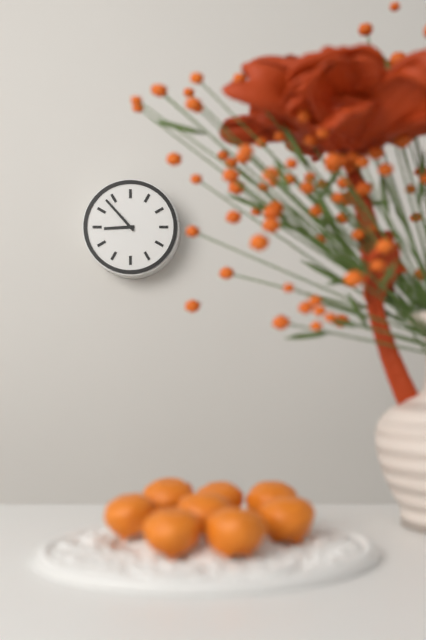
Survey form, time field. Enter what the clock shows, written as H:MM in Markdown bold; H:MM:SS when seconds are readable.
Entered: **8:53**
